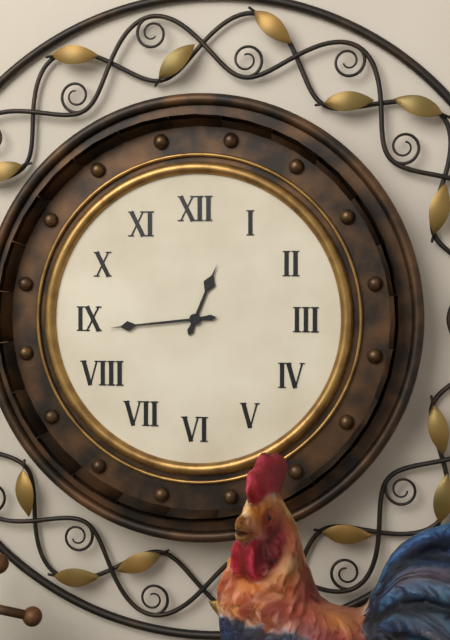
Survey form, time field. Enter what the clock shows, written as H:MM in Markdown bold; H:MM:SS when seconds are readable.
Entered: **12:44**
